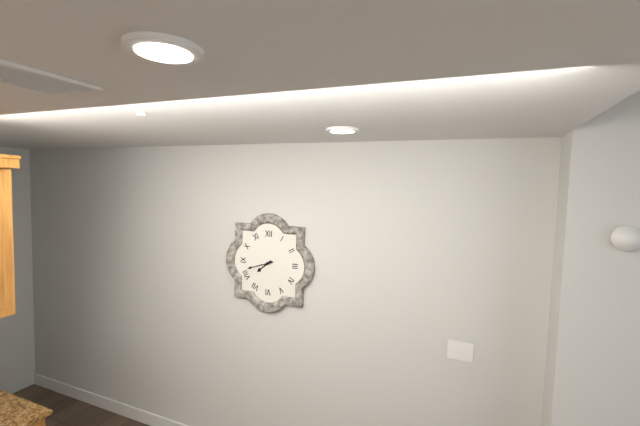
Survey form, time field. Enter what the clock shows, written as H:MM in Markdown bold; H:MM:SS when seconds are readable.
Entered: **7:42**
